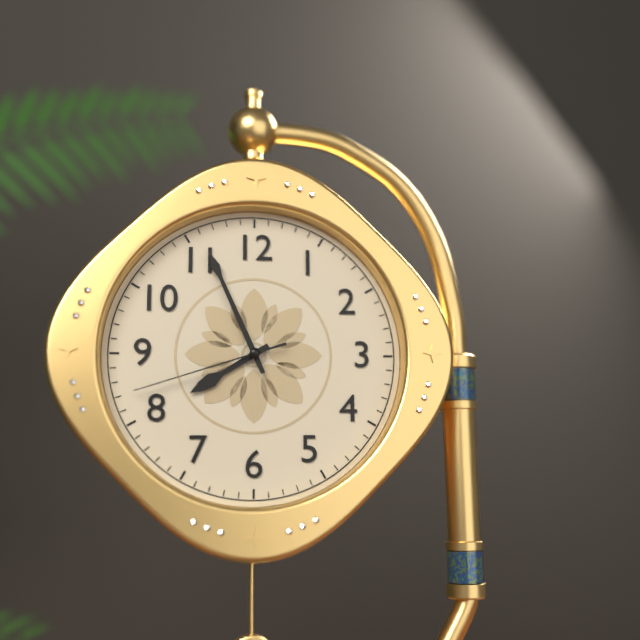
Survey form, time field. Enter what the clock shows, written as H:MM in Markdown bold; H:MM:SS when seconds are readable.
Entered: **7:56:42**
